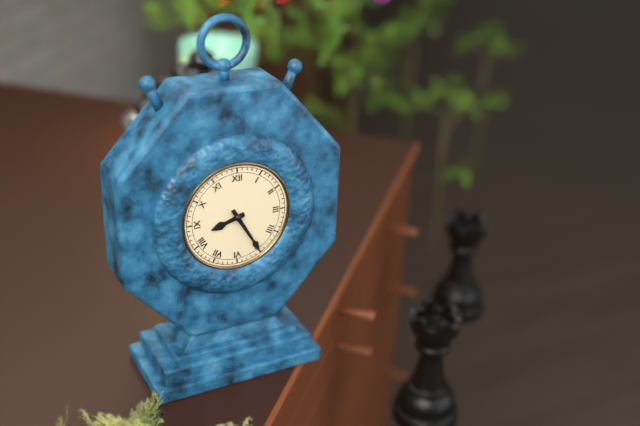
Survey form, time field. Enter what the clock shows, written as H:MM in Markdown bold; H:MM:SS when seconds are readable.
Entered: **8:25**
